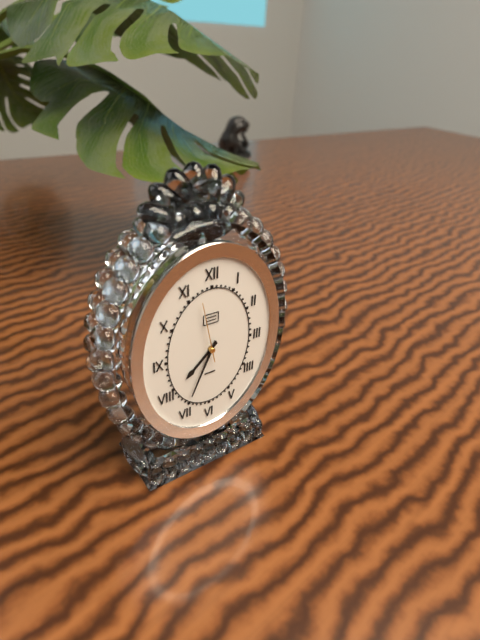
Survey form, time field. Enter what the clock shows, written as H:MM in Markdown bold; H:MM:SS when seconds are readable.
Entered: **7:34**
